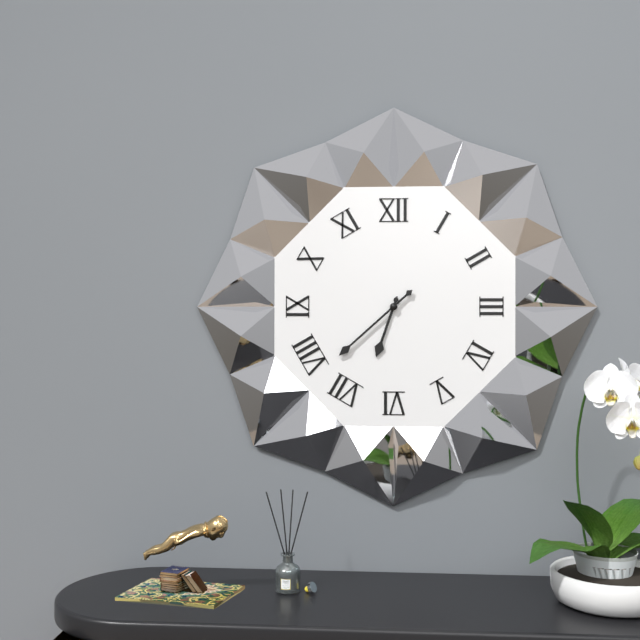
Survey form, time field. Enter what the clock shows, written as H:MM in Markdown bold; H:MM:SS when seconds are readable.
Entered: **6:38**
